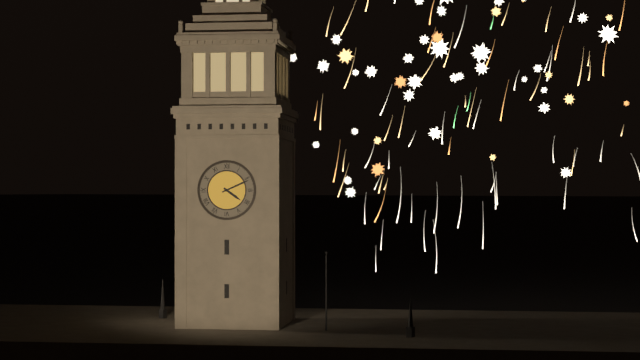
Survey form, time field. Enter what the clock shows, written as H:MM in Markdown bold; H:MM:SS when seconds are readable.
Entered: **4:11**
